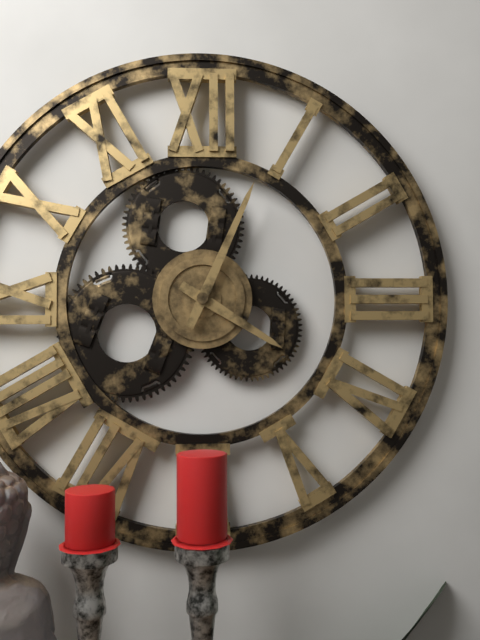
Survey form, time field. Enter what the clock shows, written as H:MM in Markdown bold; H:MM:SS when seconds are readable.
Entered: **4:04**
